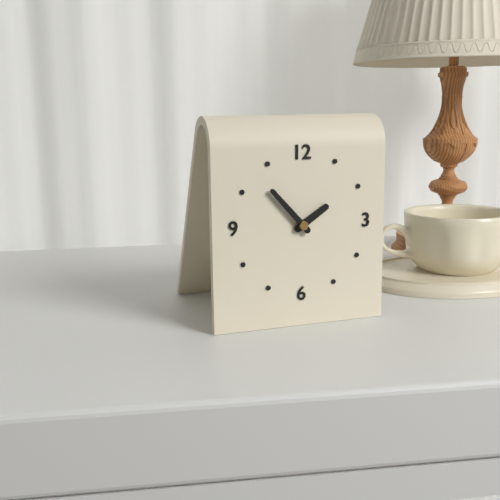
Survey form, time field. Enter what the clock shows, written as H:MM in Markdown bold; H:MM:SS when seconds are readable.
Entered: **1:53**
